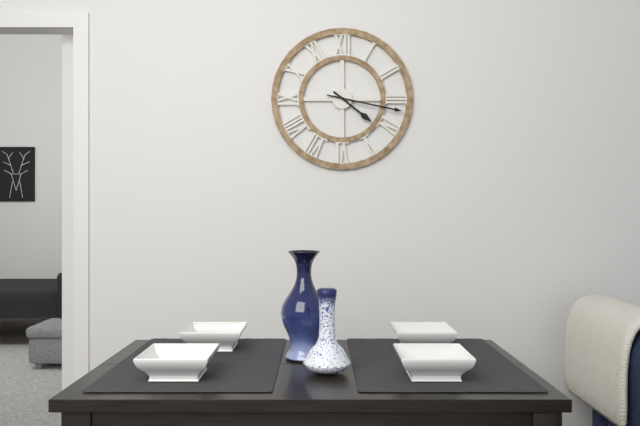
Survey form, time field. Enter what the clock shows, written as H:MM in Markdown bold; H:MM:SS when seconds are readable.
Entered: **4:17**
